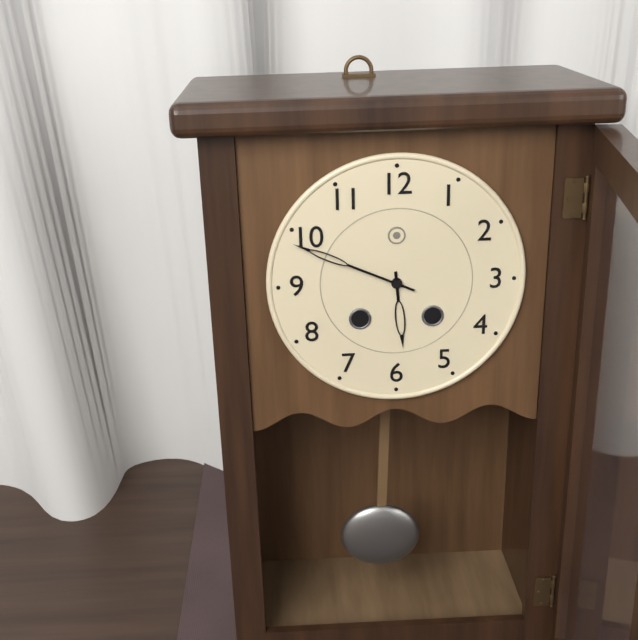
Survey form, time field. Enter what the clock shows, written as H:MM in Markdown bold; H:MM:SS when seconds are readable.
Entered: **5:49**
